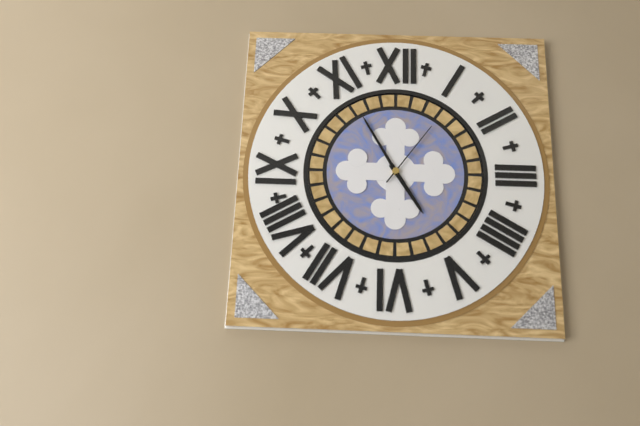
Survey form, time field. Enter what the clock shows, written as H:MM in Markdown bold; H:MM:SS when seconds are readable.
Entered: **4:55:06**
